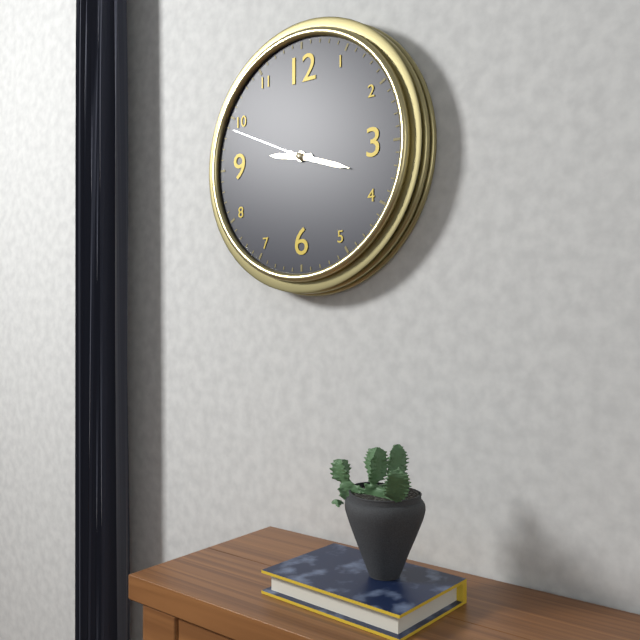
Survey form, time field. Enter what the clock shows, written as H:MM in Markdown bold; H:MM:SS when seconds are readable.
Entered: **9:18:49**
